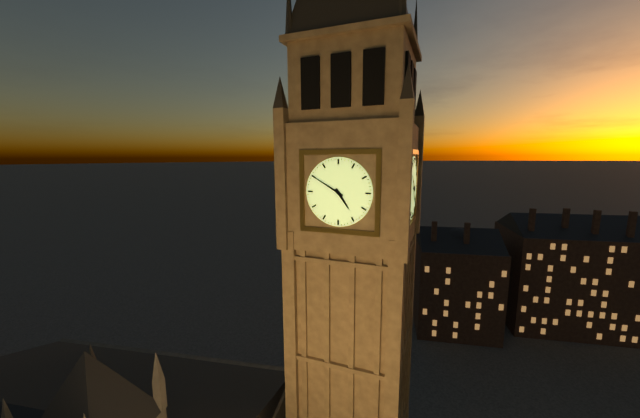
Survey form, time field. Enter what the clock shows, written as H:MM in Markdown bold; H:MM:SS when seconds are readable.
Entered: **4:50**
